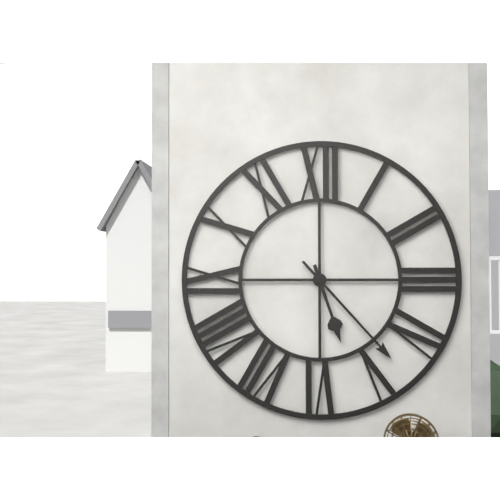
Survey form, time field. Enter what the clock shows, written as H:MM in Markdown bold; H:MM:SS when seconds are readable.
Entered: **5:23**
